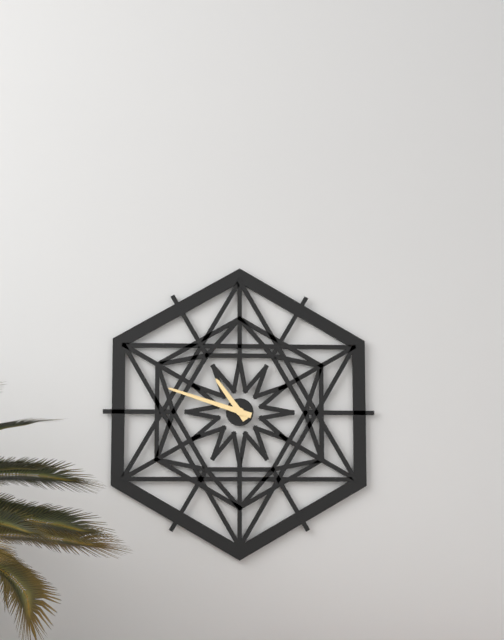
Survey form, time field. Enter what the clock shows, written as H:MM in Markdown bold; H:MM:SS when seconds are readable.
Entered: **10:48**
